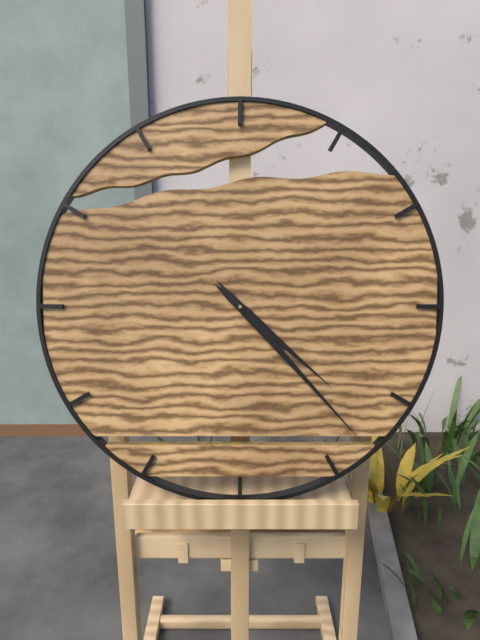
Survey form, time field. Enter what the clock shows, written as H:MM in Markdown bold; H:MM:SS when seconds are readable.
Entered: **4:23**
